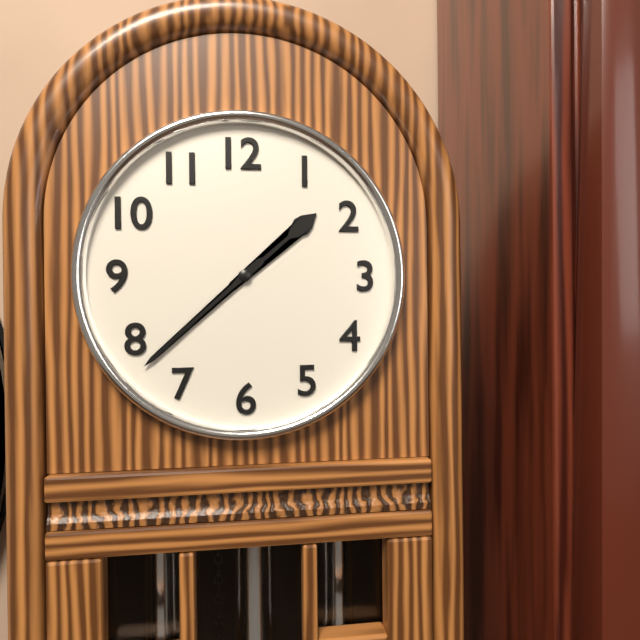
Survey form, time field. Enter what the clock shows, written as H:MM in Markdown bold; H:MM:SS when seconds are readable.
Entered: **1:38**
